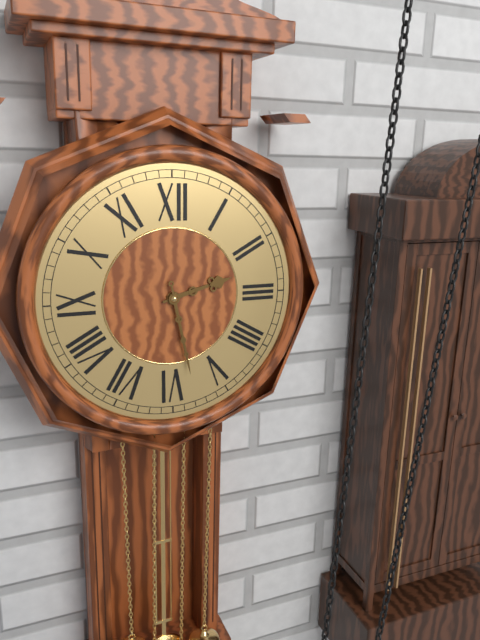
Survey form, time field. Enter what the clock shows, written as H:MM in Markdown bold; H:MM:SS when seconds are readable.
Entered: **2:28**
